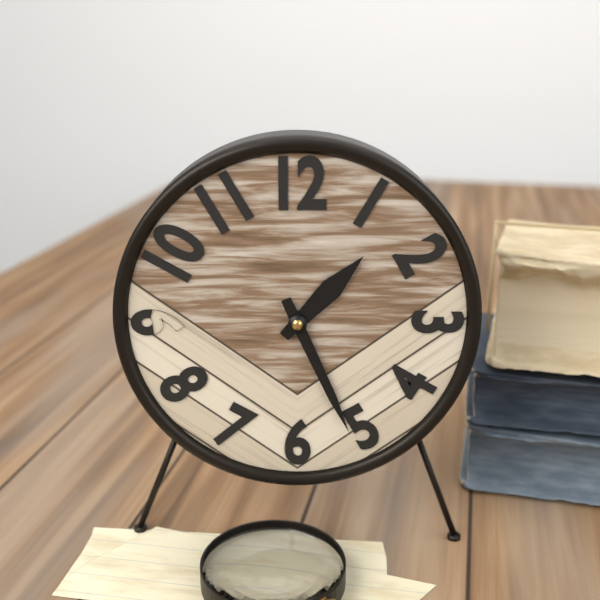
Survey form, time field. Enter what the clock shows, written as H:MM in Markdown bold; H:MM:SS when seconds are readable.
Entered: **1:26**
